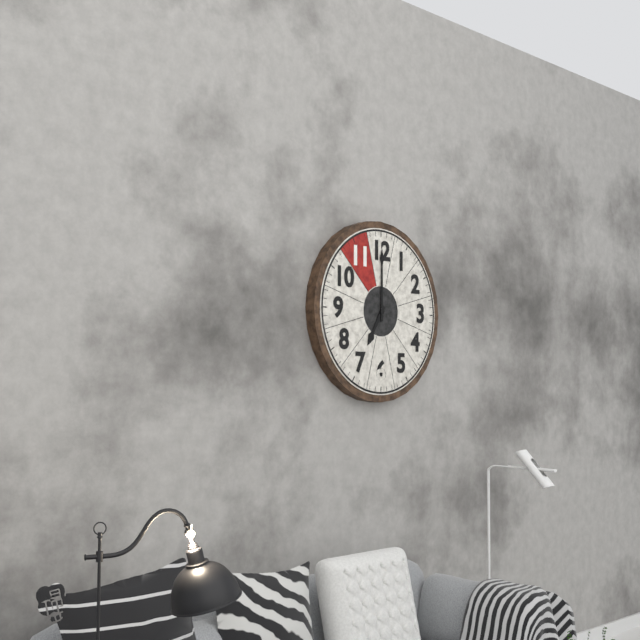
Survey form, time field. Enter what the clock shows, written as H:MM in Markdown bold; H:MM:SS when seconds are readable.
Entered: **7:00**
